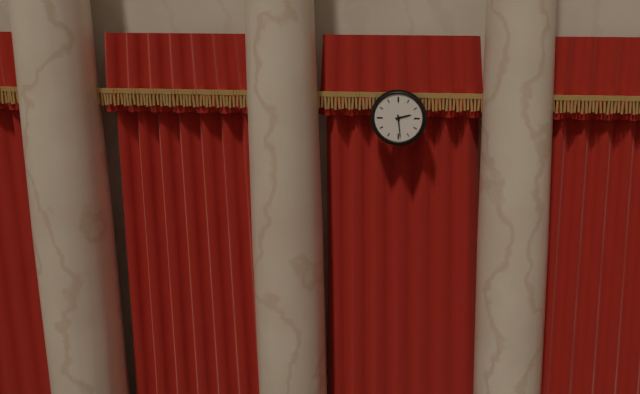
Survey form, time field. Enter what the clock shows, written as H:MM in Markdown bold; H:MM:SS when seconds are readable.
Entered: **2:29**
